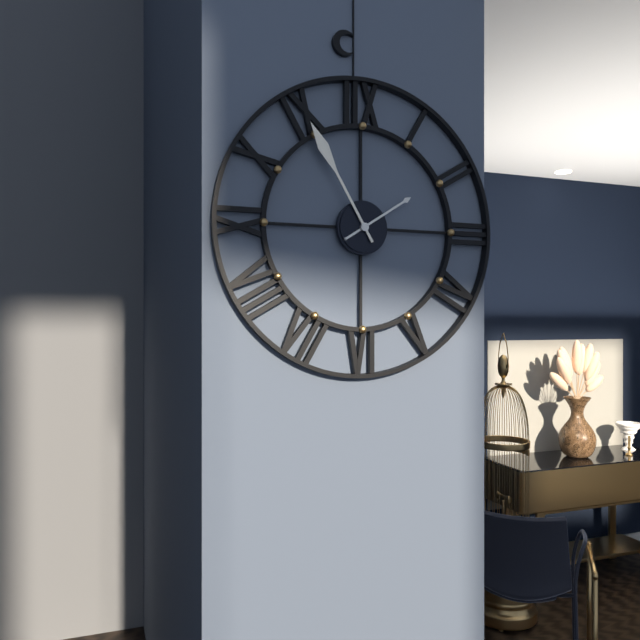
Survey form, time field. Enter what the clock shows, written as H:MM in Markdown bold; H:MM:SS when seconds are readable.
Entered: **1:55**
